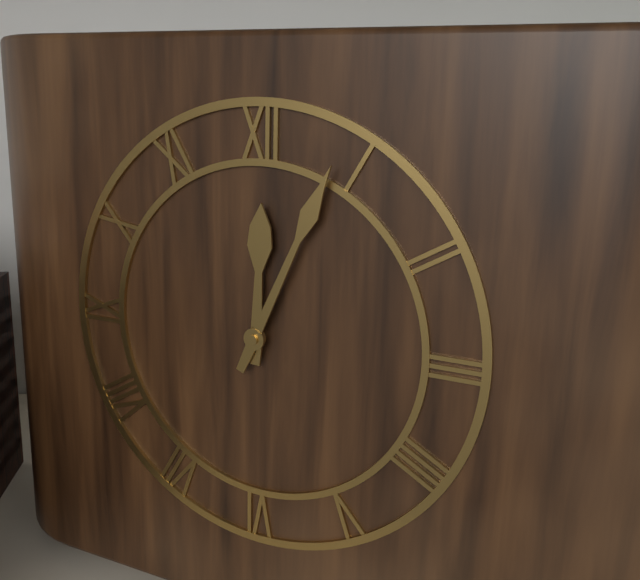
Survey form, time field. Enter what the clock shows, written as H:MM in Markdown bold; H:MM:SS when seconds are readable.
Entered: **12:04**
